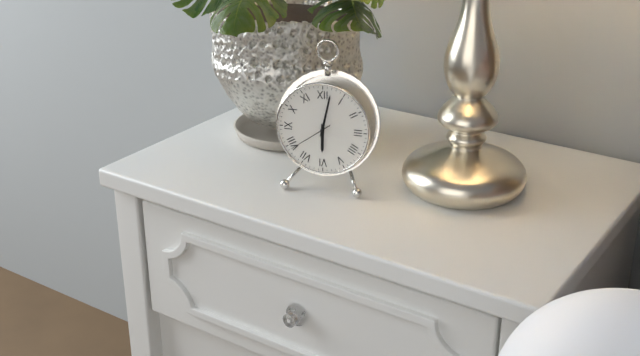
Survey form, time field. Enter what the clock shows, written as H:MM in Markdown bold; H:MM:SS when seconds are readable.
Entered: **6:02**
